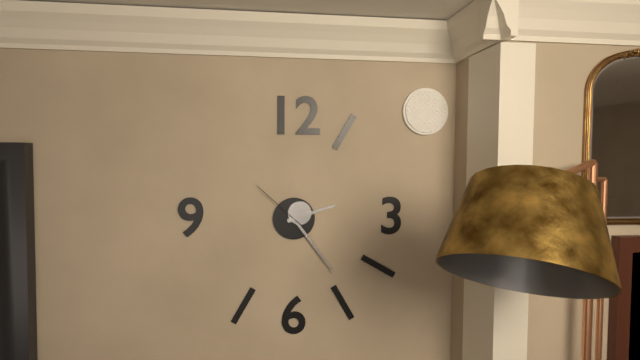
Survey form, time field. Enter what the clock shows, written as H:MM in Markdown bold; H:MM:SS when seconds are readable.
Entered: **2:24:52**
